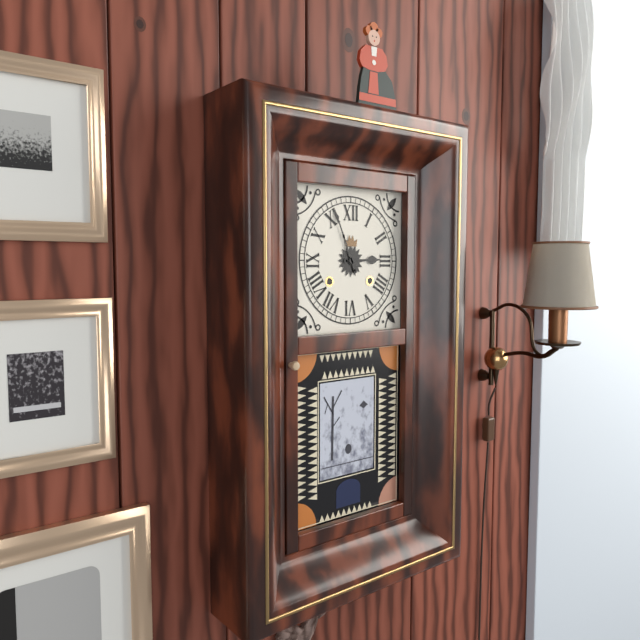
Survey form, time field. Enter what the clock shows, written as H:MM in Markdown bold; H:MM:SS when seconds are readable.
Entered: **2:56**
